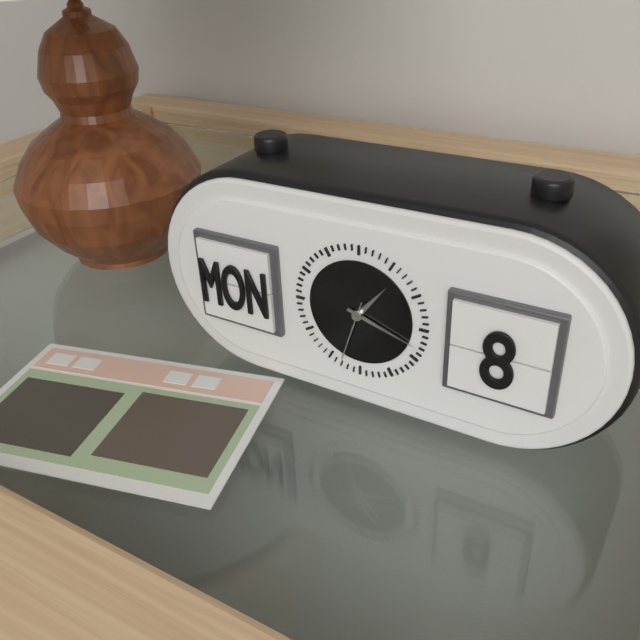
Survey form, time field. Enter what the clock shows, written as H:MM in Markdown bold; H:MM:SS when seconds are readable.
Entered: **1:18:33**
